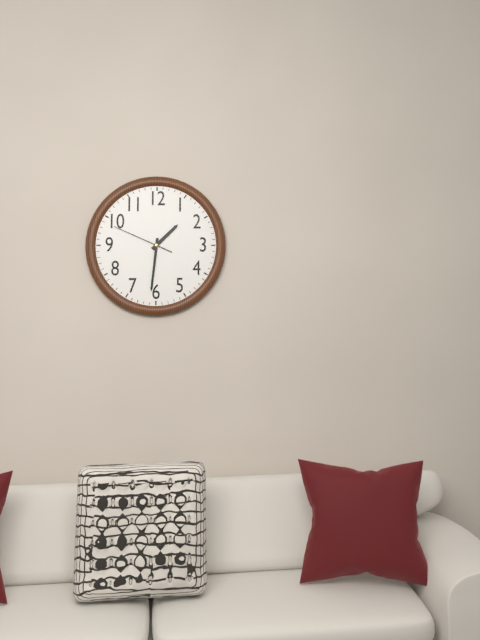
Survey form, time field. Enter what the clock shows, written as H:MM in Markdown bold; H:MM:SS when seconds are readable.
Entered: **1:31:49**
